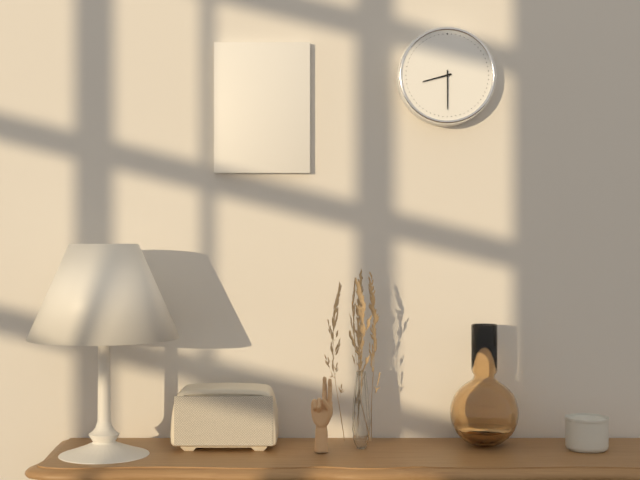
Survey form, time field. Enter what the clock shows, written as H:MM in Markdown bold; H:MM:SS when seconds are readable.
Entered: **8:30**
